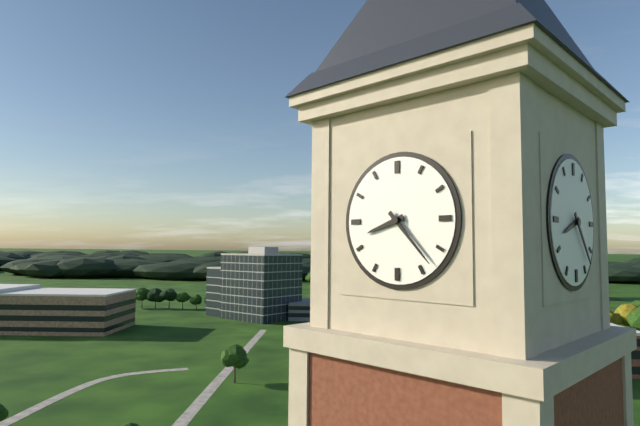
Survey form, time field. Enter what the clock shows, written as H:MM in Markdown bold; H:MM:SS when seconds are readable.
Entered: **8:23**
